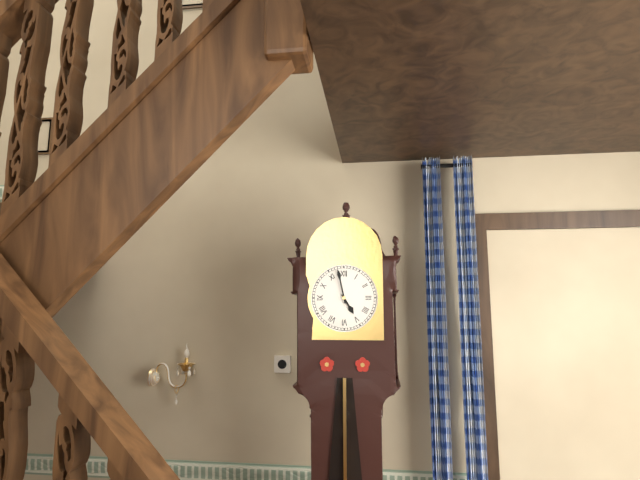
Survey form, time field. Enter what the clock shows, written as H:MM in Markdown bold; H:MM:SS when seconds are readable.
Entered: **4:58**
